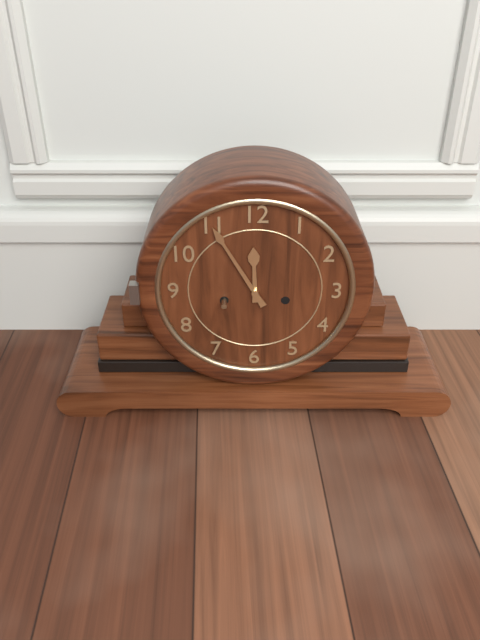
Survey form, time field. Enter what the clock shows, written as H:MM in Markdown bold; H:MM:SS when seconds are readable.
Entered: **11:55**
